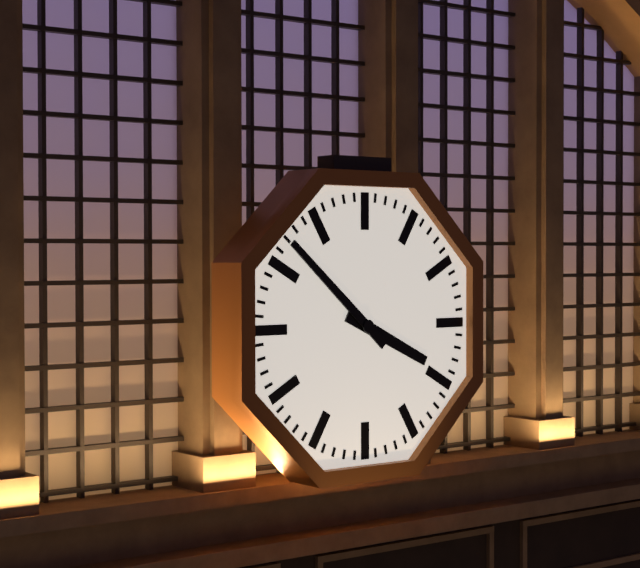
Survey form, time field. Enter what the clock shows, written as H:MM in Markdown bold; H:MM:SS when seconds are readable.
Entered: **3:52**
